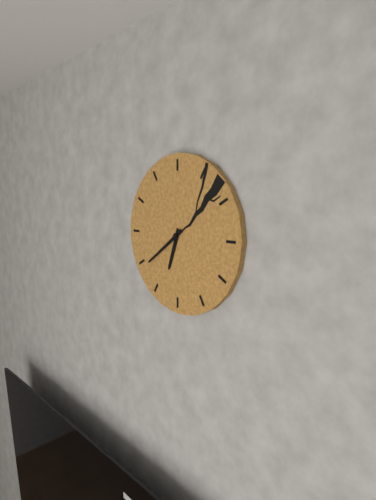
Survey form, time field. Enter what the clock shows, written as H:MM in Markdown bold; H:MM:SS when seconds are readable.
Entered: **6:39**
